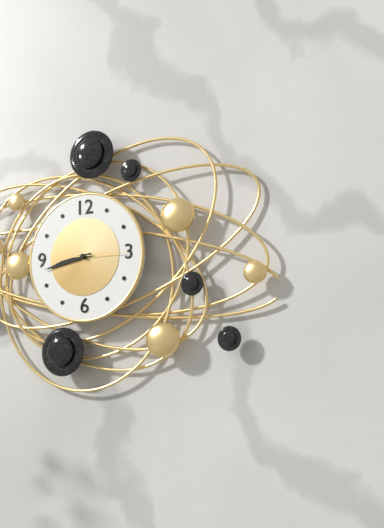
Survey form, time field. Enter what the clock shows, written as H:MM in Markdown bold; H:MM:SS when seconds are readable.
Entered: **8:43:15**
